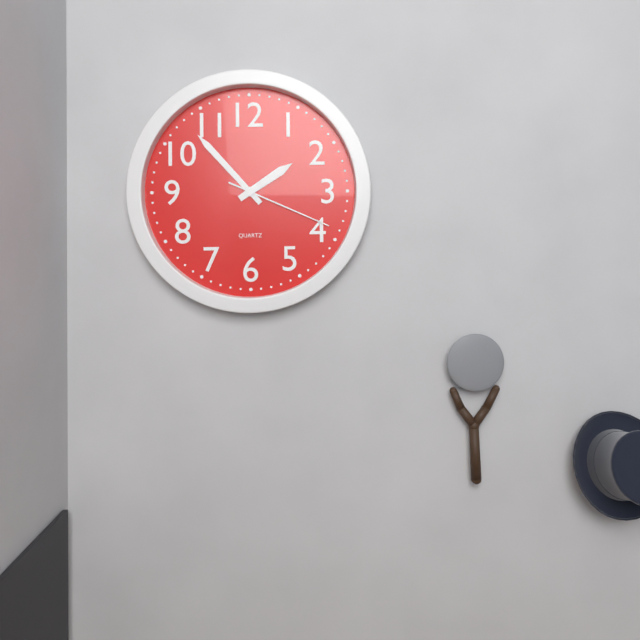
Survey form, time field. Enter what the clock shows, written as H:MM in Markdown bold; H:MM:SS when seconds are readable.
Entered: **1:53:19**
